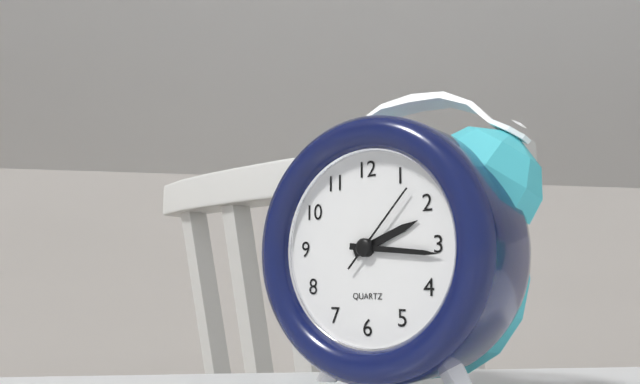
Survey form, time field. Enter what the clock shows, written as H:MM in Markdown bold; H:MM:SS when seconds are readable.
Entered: **2:16:07**
